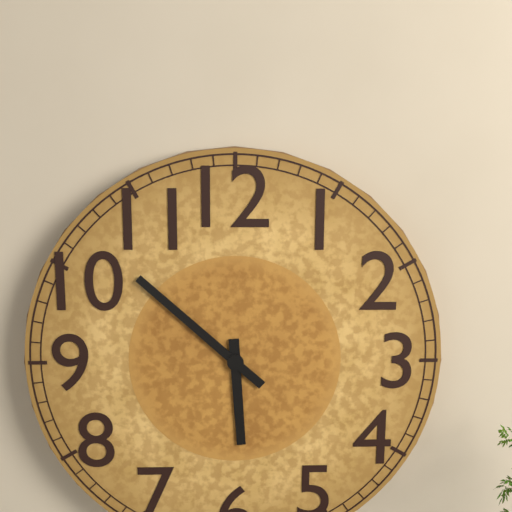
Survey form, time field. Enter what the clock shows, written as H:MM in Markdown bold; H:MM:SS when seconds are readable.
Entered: **5:52**
